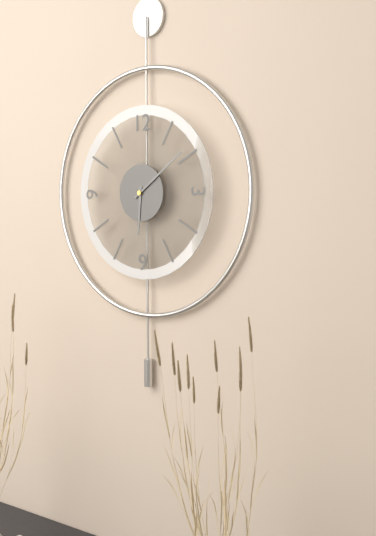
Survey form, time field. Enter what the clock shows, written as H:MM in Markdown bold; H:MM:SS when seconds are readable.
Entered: **6:09**
